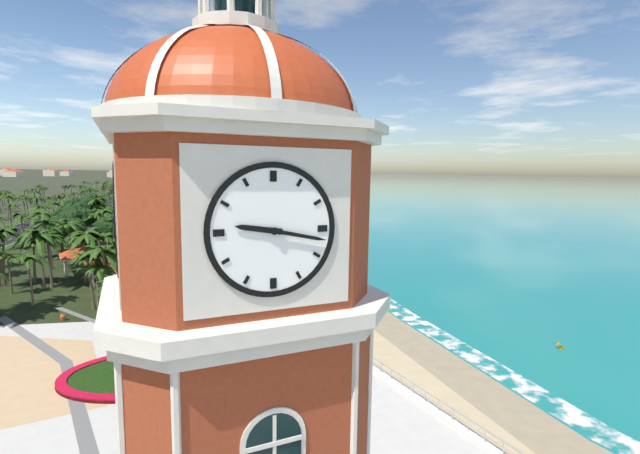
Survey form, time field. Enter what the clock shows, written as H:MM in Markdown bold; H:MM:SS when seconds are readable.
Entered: **9:17**
